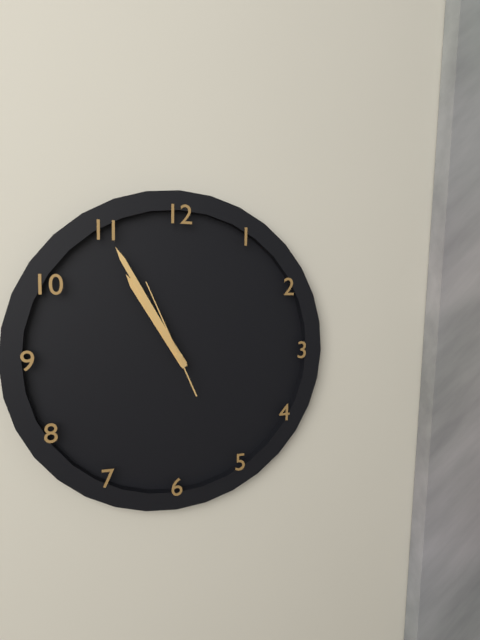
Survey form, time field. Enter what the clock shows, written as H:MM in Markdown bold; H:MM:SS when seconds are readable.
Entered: **10:55:56**
